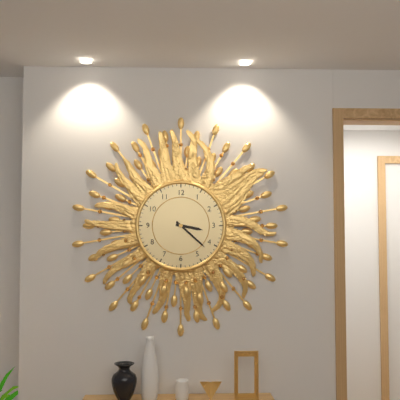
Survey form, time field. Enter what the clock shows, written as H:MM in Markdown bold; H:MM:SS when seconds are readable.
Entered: **3:22**
